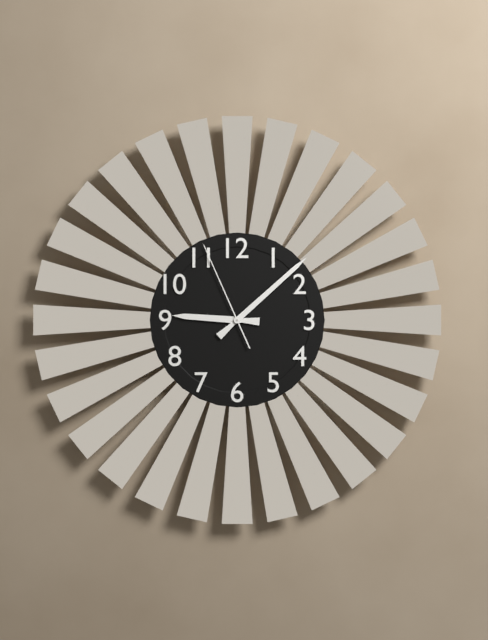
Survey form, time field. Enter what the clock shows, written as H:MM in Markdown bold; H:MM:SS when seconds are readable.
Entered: **9:08:56**
